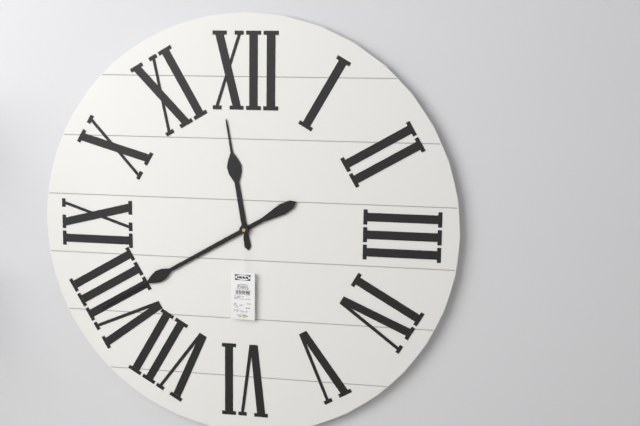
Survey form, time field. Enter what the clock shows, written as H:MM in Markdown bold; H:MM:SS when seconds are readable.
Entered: **11:40**
